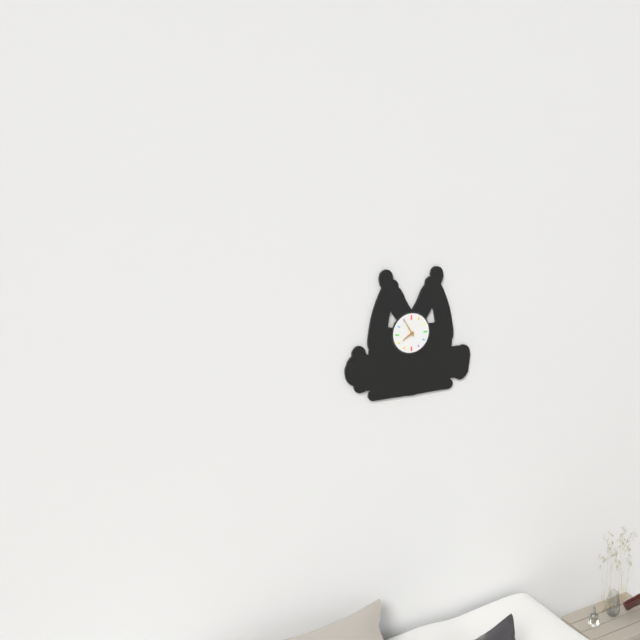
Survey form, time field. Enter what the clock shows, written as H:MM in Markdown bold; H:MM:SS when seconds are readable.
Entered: **7:55**
